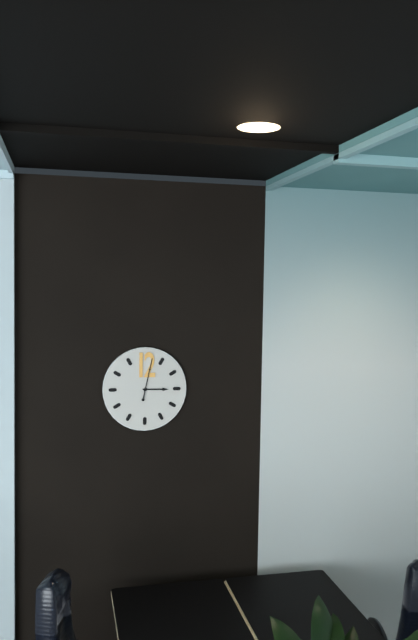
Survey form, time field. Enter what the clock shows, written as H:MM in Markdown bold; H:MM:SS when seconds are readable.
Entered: **3:02**
